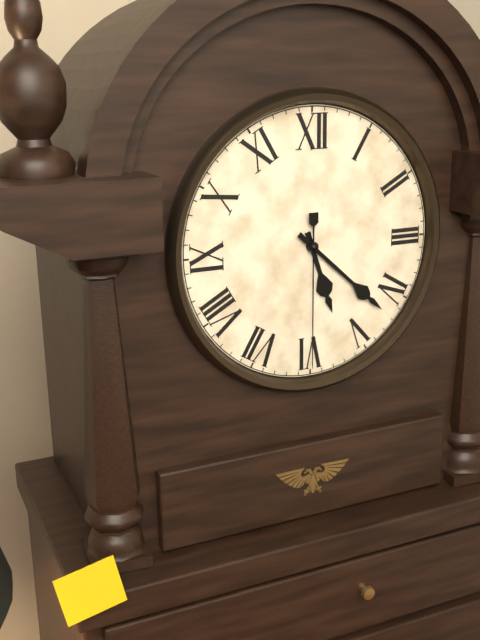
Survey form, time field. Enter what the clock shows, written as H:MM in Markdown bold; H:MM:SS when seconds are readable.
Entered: **5:22:30**
